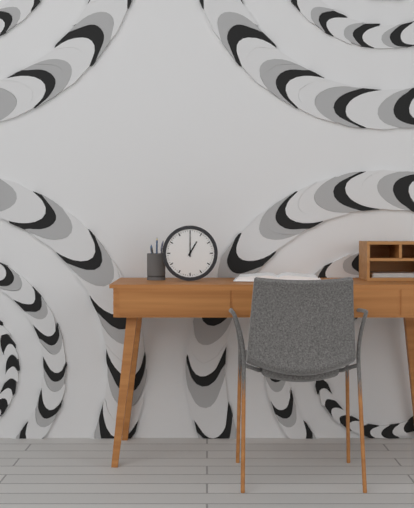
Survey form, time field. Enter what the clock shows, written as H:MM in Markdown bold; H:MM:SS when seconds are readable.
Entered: **1:00**
